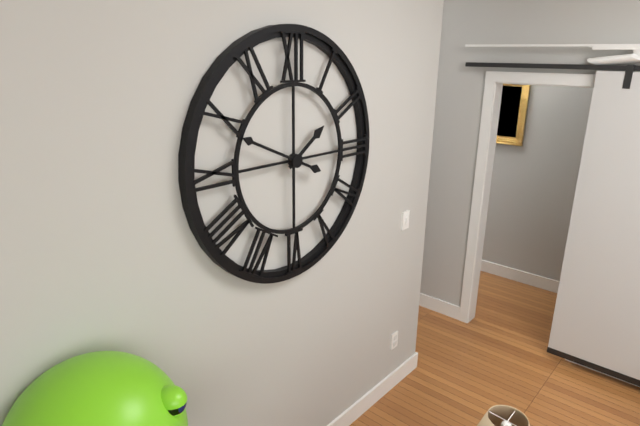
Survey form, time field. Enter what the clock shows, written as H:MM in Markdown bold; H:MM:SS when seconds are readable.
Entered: **1:49**
